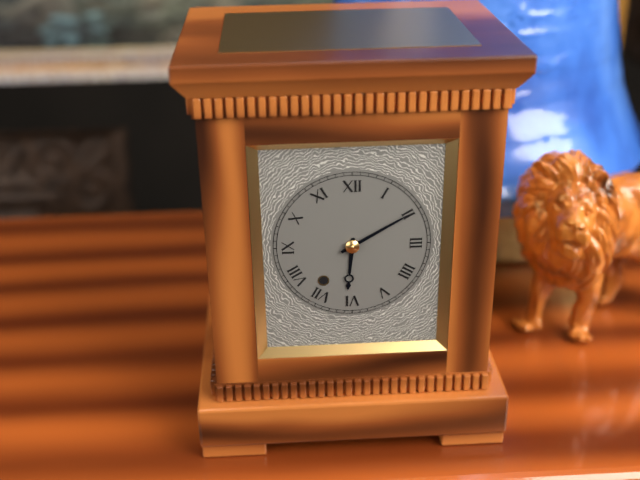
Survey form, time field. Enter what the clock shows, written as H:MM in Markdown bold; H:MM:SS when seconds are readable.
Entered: **6:10**
